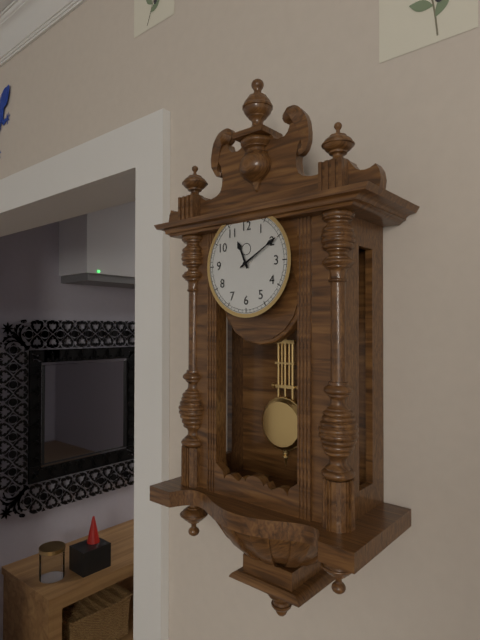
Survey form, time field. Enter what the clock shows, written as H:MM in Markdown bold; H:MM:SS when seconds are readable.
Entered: **11:10**
